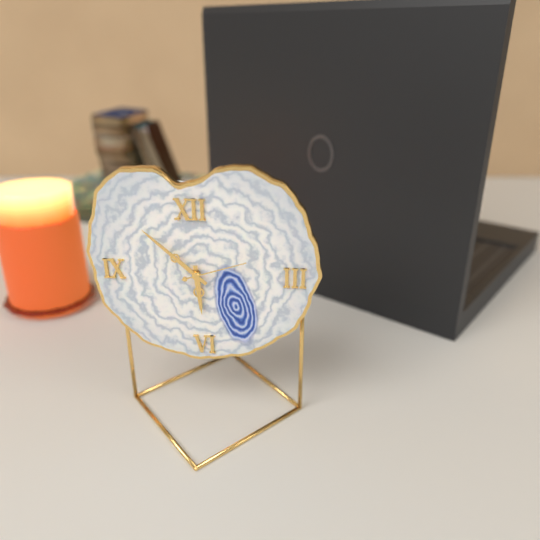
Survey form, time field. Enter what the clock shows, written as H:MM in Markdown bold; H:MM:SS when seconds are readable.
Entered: **5:52:12**
